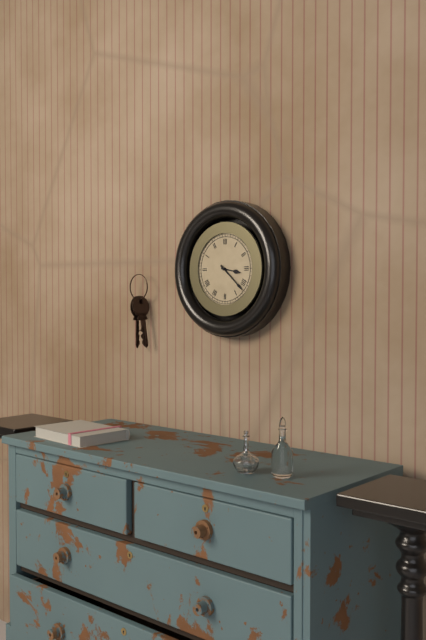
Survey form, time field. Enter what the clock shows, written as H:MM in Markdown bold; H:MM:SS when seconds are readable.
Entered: **3:22**
